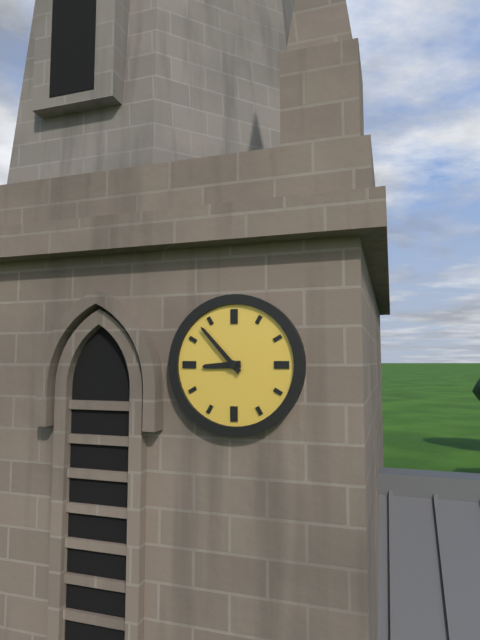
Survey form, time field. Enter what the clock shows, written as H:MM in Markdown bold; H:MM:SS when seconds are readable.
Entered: **8:53**
